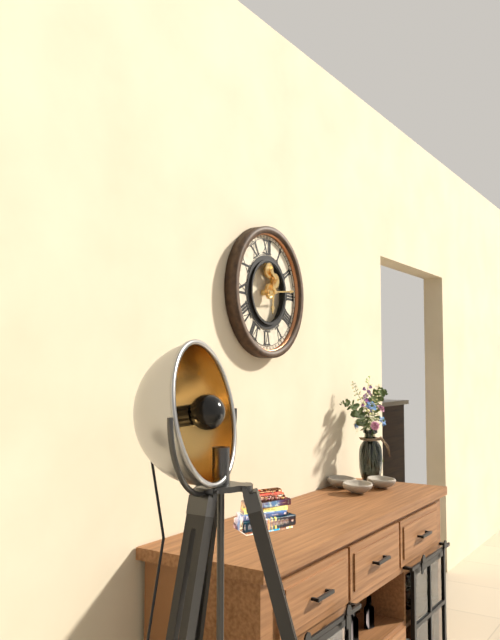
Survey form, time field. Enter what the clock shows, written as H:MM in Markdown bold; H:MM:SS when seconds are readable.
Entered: **6:14**
